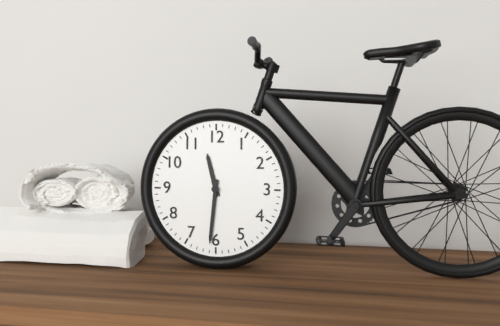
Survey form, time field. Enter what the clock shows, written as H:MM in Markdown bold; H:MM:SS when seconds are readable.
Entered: **11:31**
